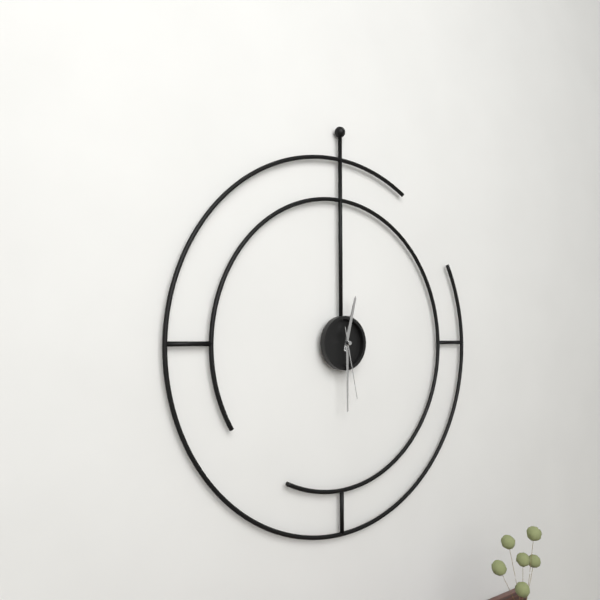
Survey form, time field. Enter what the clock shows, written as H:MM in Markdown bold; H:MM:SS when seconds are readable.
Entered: **12:30:28**
